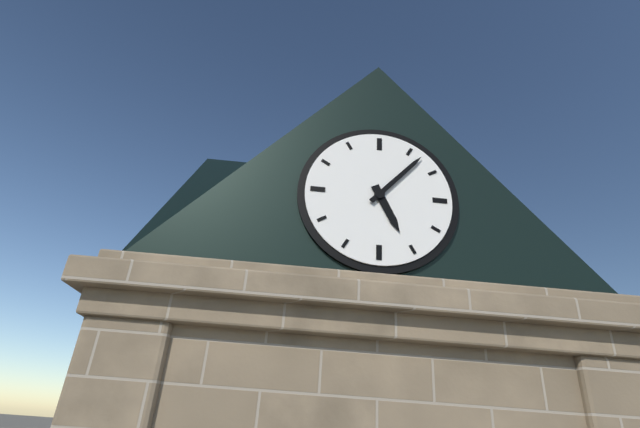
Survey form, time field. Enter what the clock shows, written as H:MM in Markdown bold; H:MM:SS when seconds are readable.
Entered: **5:07**
